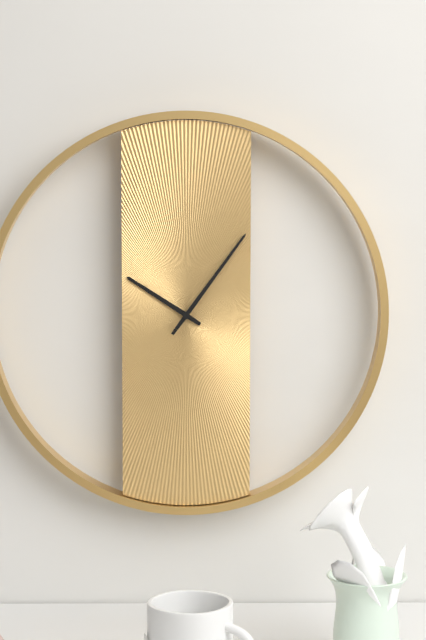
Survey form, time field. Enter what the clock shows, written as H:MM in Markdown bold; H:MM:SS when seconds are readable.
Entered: **10:06**
